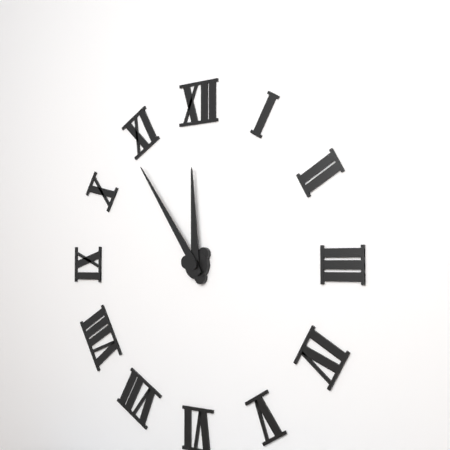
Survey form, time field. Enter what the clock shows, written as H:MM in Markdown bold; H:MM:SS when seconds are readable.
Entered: **11:54**
